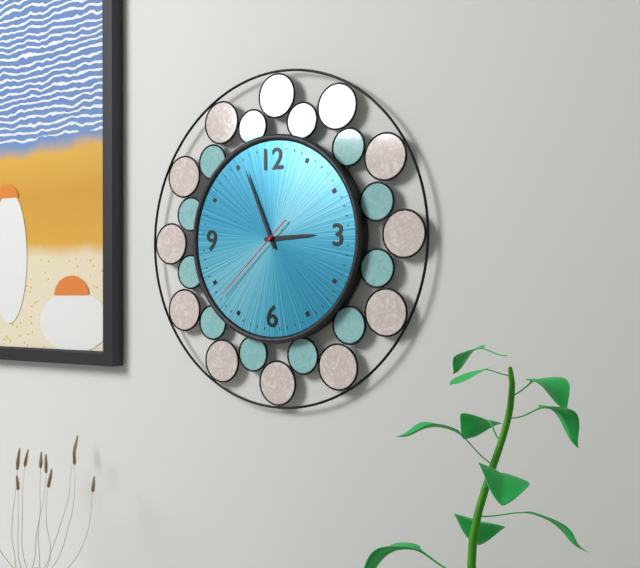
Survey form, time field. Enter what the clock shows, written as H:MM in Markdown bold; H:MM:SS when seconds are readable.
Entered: **2:56:38**
